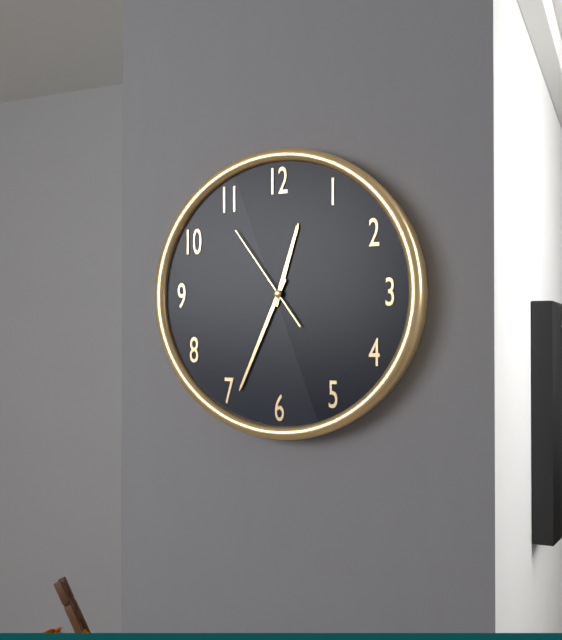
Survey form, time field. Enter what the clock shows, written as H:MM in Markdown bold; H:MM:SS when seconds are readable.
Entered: **12:34:54**
